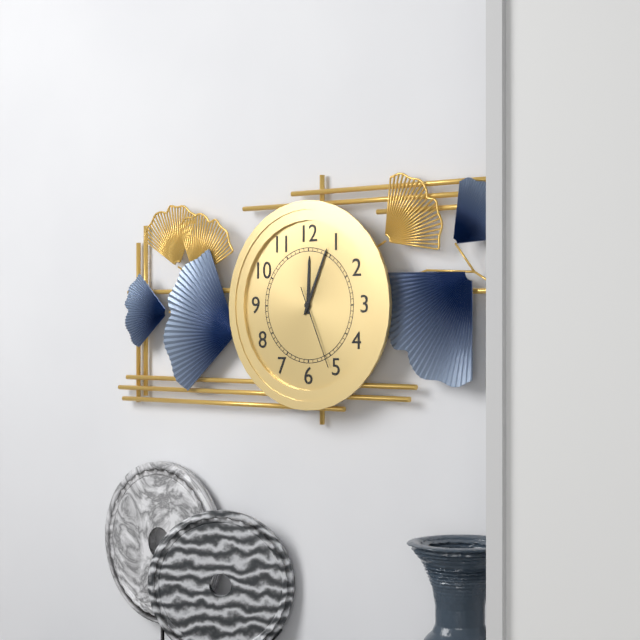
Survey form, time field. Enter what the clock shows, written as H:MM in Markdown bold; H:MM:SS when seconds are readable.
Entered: **12:04:26**
